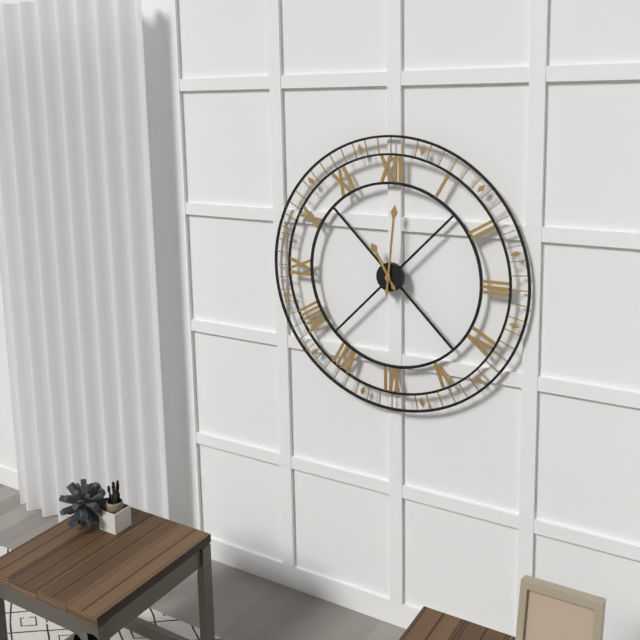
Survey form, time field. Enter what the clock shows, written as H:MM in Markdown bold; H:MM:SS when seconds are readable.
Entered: **11:01**
